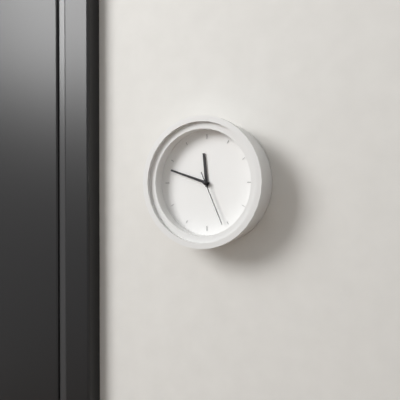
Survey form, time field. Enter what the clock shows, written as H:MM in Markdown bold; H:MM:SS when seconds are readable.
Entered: **11:48:26**
